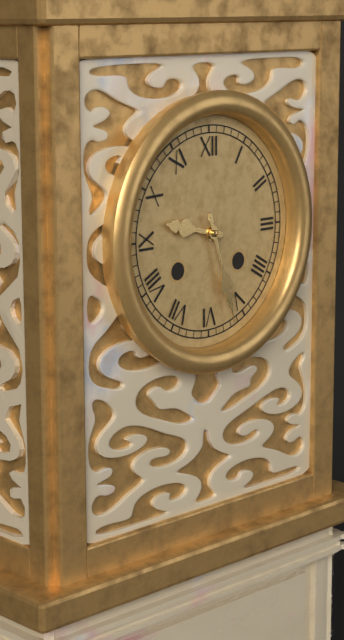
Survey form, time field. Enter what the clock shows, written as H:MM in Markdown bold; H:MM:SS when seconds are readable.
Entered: **9:27**
